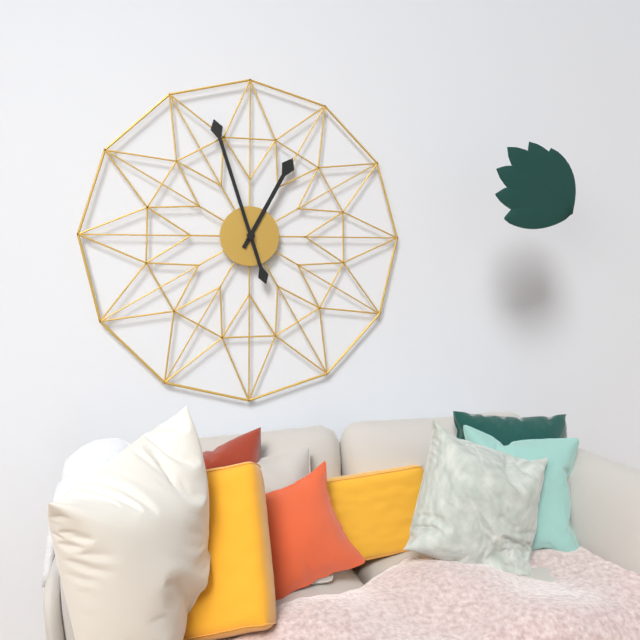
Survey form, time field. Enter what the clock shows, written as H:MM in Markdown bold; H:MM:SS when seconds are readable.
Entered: **12:57**
